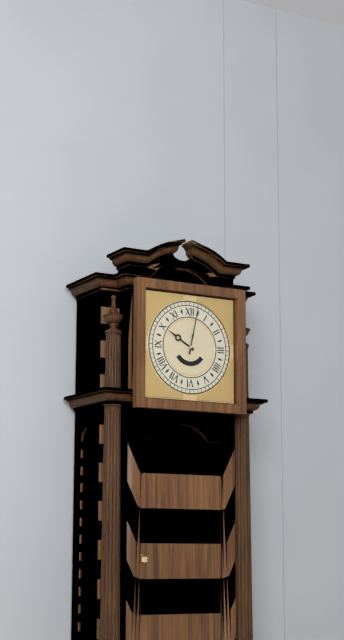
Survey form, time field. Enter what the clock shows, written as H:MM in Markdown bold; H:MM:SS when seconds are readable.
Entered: **10:02**
